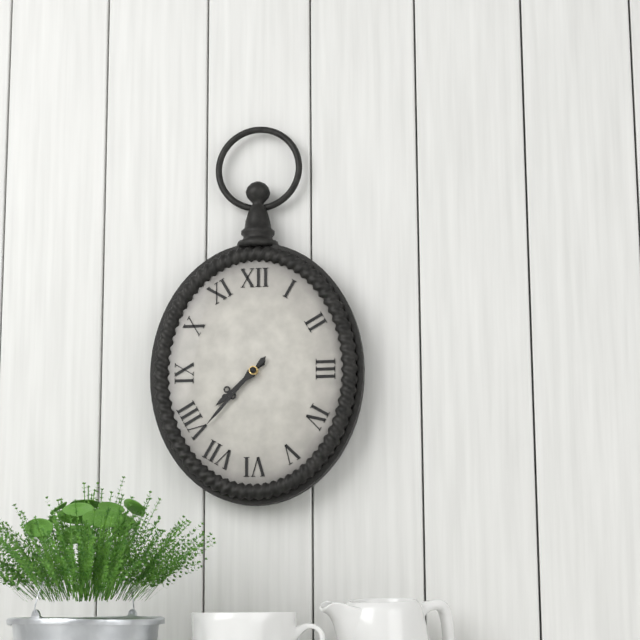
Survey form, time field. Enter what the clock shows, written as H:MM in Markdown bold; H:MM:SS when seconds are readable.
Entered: **7:37**
